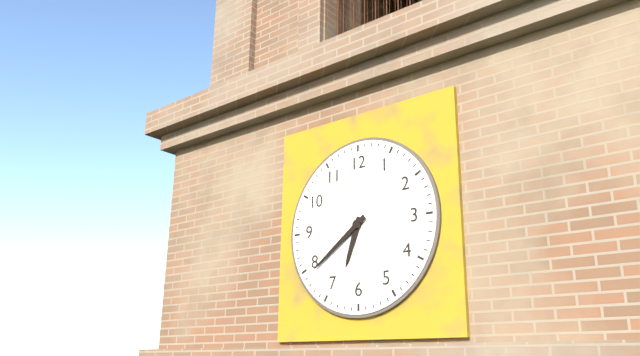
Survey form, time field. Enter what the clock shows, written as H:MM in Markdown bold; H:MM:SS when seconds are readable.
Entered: **6:39**
